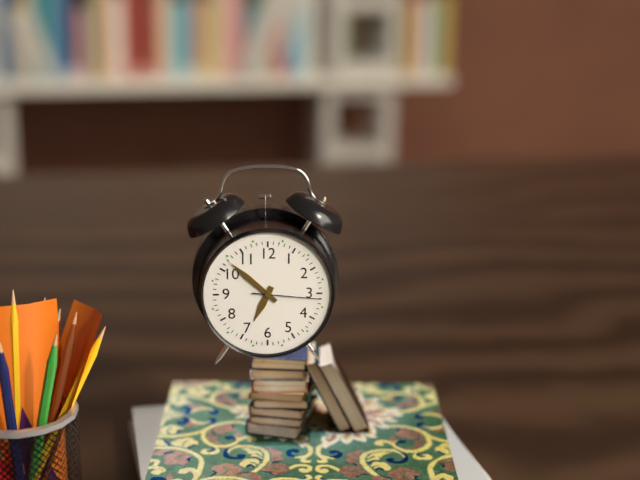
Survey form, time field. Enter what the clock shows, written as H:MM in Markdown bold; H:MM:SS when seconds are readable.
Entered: **6:52:16**
